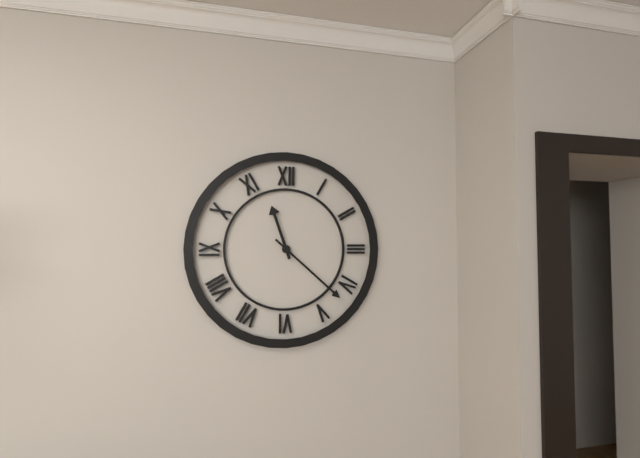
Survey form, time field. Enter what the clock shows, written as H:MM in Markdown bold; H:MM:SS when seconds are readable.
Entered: **11:22**
